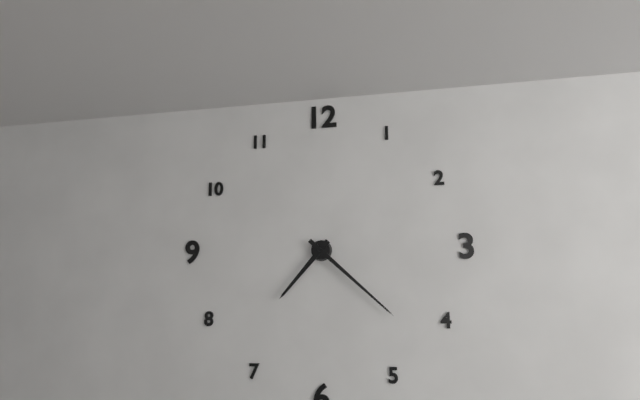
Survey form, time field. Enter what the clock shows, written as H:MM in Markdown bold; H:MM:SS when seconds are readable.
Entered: **7:22**
